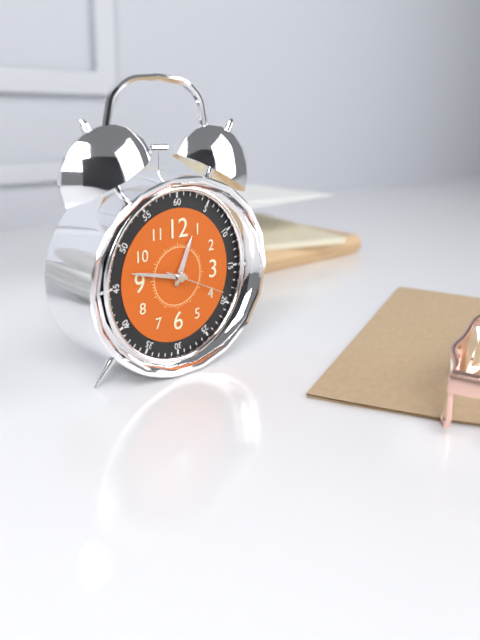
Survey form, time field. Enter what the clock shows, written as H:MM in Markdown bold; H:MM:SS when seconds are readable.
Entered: **12:47:19**
